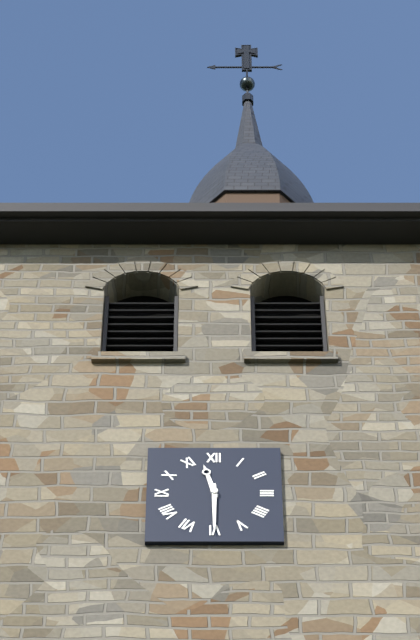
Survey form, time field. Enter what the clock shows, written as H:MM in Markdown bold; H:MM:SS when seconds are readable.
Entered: **11:30**
